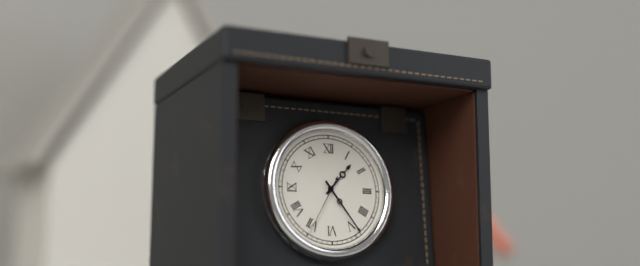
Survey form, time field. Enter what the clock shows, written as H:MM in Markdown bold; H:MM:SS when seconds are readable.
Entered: **1:24:35**
